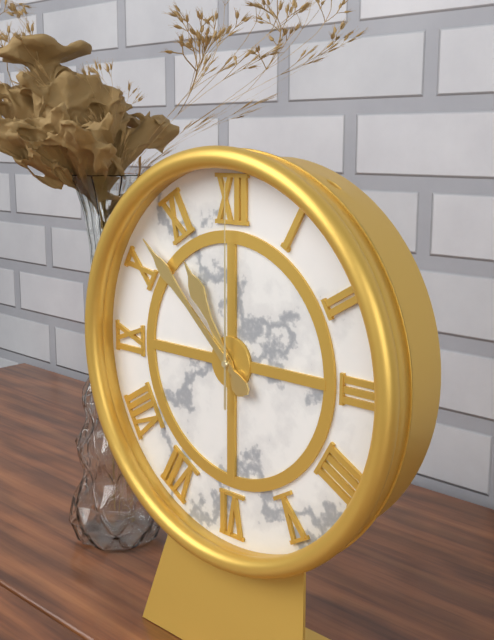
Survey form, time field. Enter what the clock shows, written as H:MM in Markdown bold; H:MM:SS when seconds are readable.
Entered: **10:52:00**
